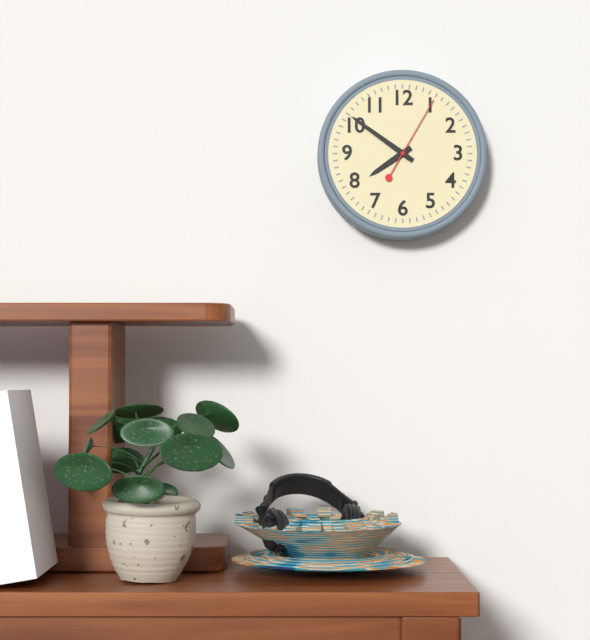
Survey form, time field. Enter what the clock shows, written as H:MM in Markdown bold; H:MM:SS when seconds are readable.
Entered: **7:51:05**
